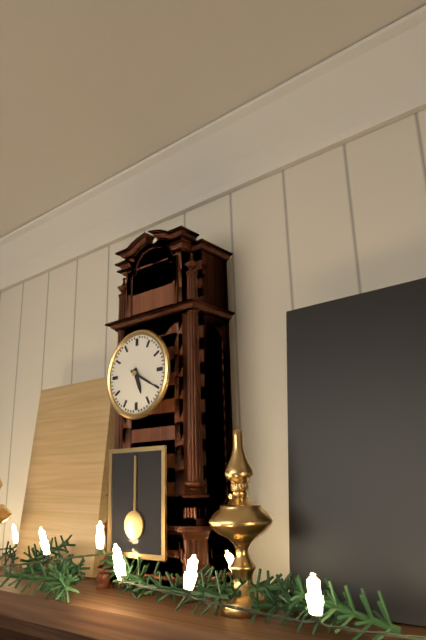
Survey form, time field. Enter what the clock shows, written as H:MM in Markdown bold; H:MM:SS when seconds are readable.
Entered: **5:20**
